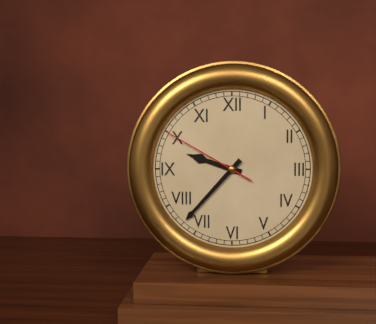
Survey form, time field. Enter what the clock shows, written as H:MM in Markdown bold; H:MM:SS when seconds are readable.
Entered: **9:37:50**
